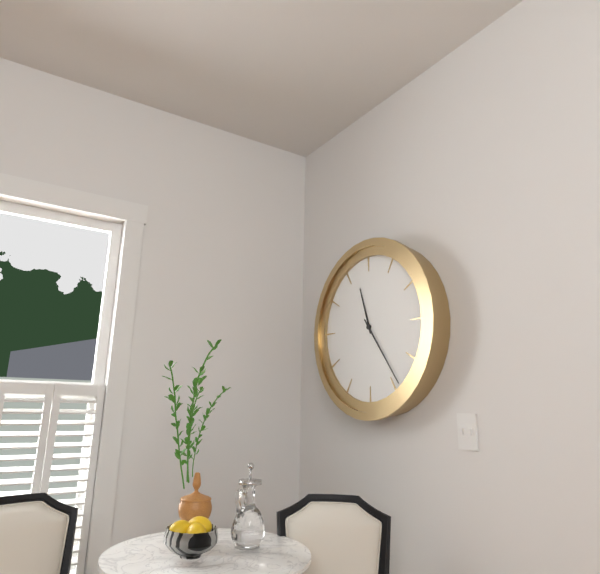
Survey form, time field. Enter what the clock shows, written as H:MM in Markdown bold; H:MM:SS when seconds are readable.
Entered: **11:24**
